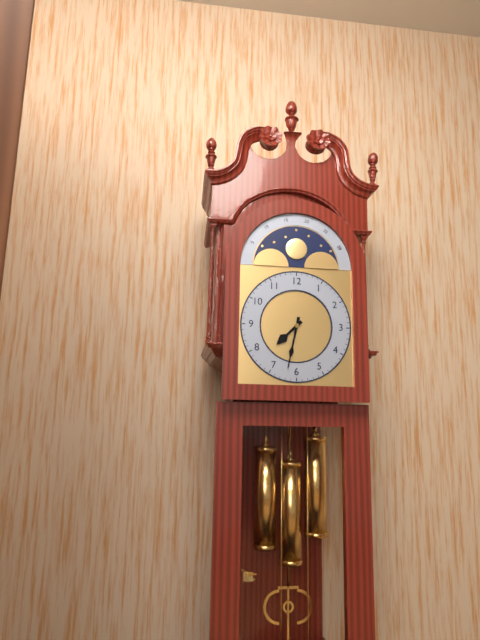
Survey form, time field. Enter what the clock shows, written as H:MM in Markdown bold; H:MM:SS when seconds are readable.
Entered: **7:32**
